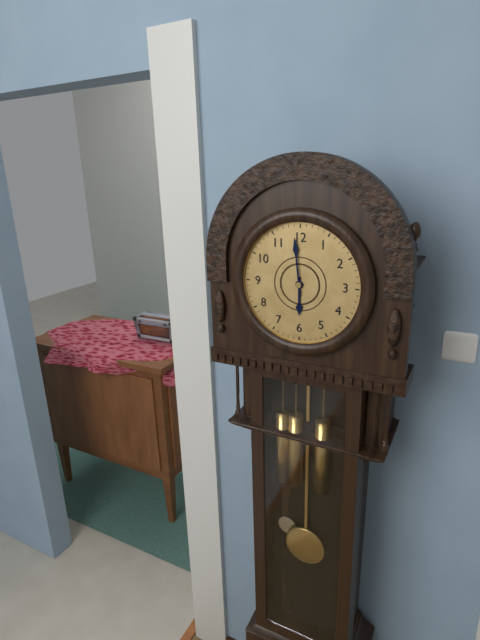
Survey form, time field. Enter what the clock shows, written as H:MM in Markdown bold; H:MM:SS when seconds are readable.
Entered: **5:59**
